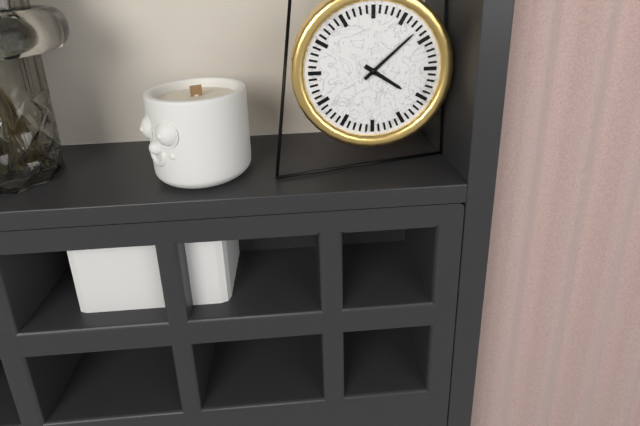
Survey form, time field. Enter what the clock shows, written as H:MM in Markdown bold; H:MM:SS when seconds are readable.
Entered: **4:08**
